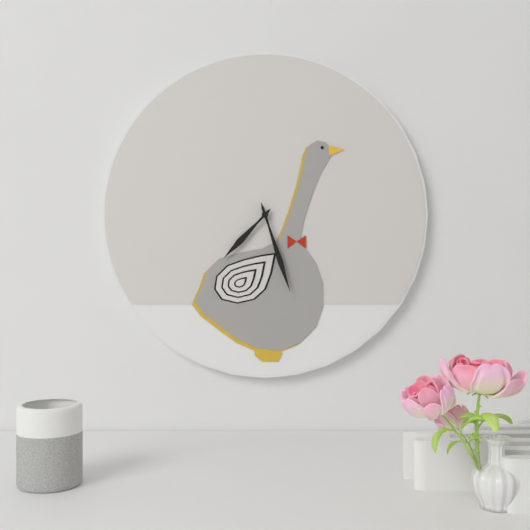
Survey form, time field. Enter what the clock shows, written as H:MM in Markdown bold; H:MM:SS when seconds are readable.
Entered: **7:27**
